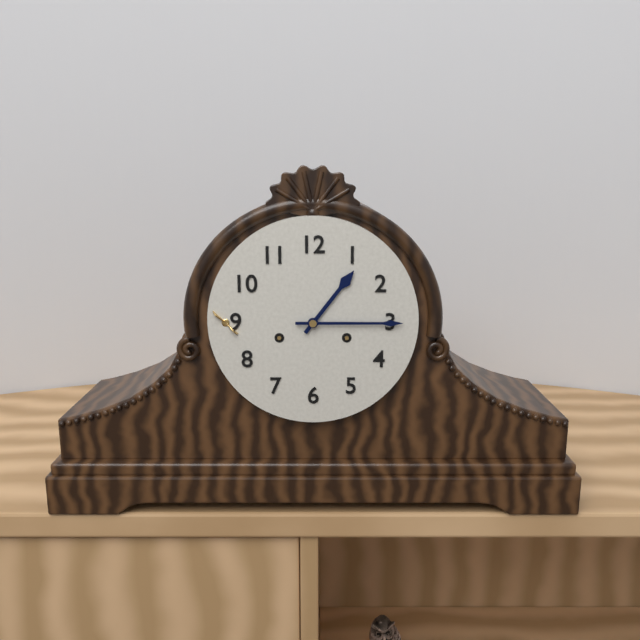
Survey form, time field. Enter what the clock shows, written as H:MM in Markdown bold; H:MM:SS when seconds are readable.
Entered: **1:15**
